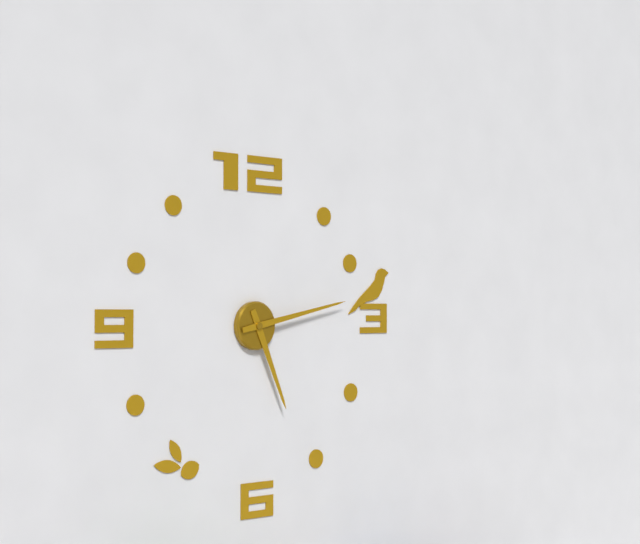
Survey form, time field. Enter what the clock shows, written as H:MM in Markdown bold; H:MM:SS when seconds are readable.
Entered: **5:13**
